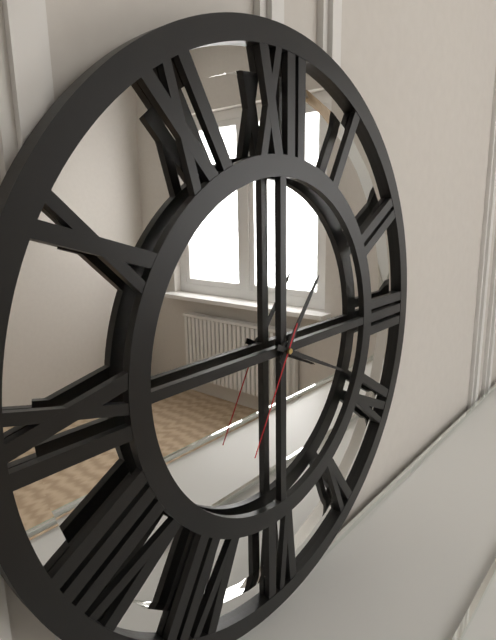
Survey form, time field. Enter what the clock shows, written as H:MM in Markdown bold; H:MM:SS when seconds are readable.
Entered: **1:19:35**
